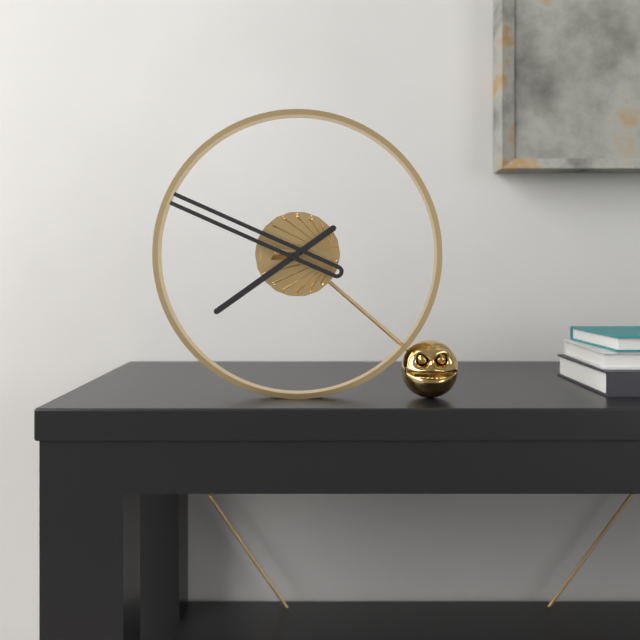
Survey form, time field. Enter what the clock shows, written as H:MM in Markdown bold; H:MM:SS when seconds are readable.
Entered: **7:49**
